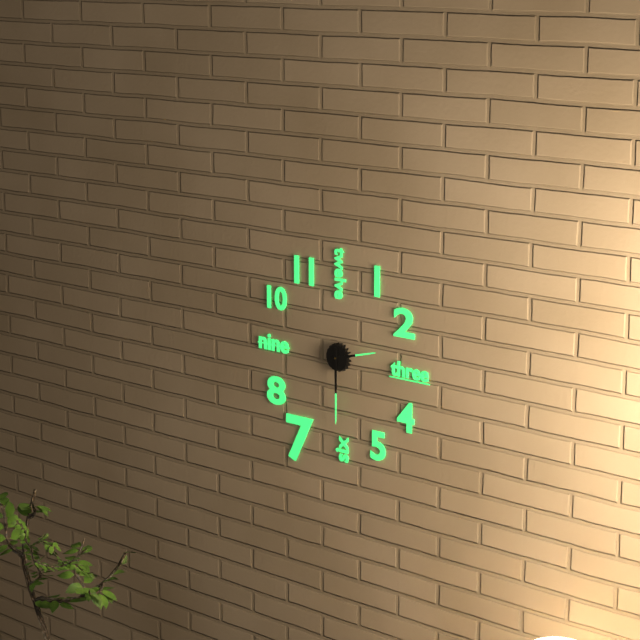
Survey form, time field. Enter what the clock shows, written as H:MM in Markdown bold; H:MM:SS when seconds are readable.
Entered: **2:30**
